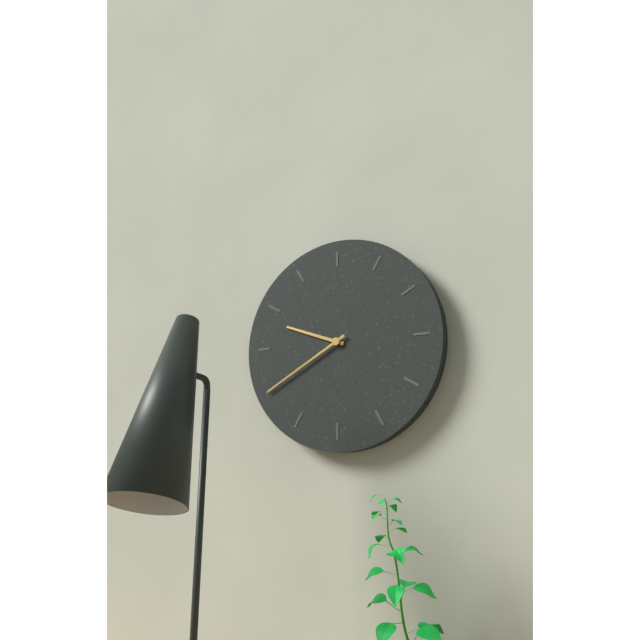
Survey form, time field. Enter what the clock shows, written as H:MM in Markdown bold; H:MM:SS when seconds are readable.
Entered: **9:40**
